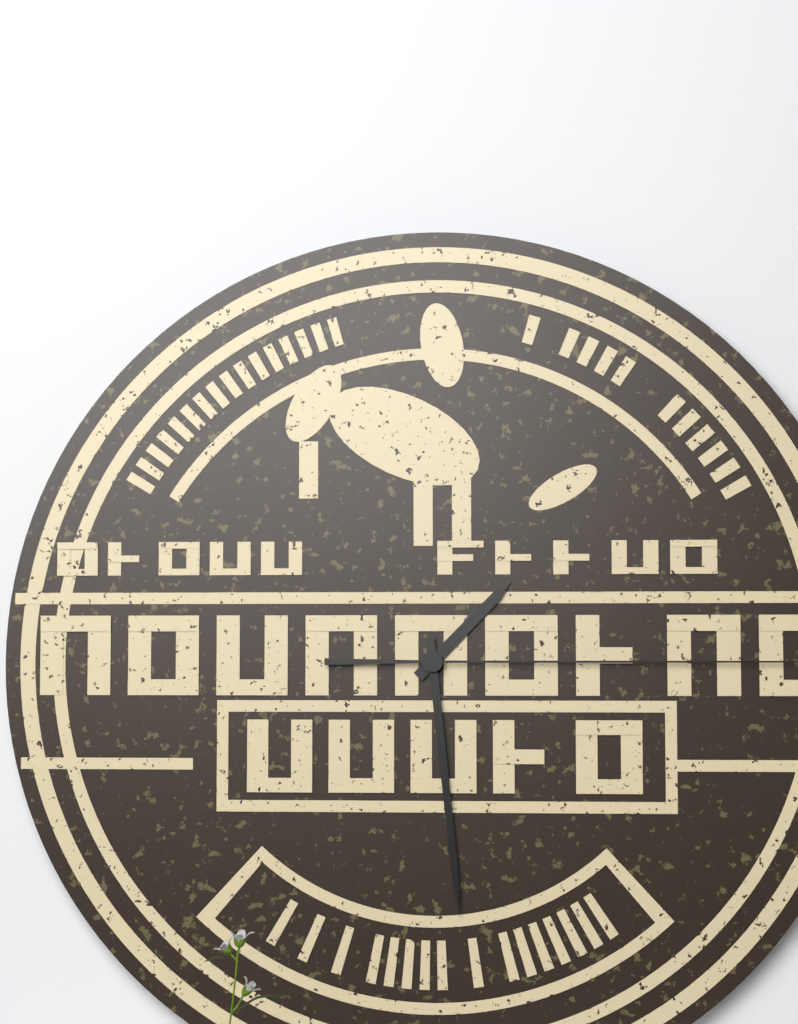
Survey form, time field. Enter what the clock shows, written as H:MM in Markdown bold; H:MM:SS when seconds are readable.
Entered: **1:29**
